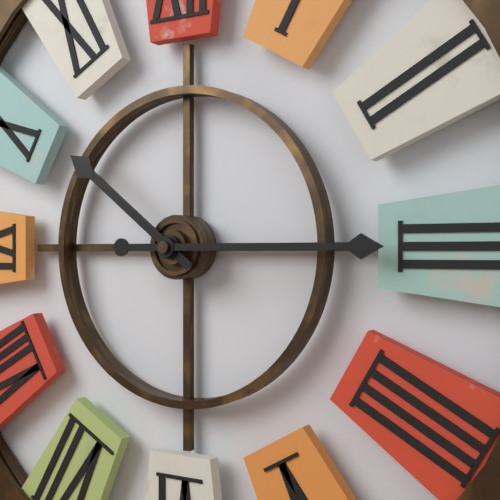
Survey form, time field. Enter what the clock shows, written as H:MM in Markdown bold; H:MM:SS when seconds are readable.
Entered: **10:15**
